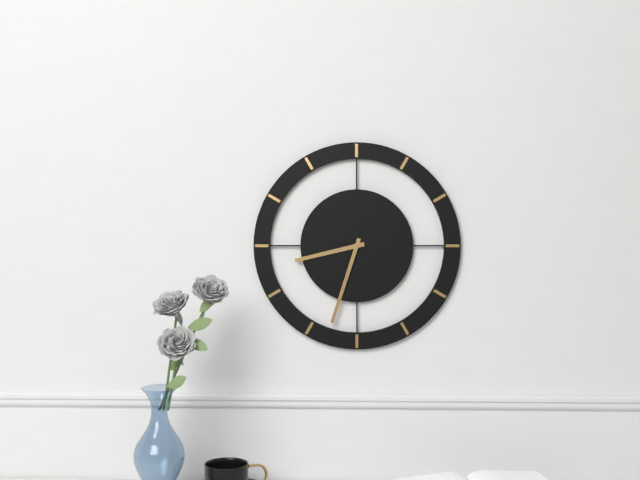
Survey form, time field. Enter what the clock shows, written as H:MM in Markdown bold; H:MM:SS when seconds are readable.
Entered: **8:33**
